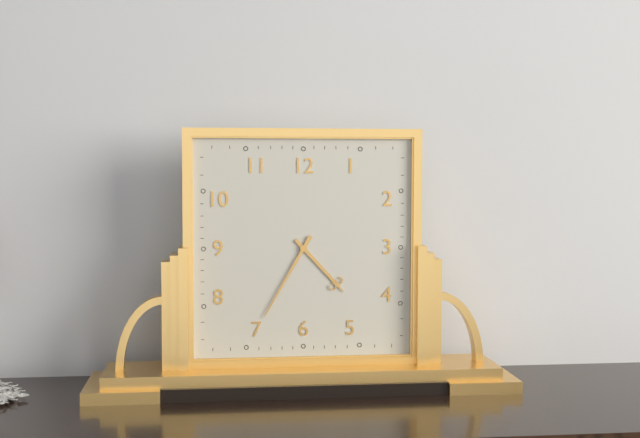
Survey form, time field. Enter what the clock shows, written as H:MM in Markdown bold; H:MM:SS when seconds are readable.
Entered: **4:35**
